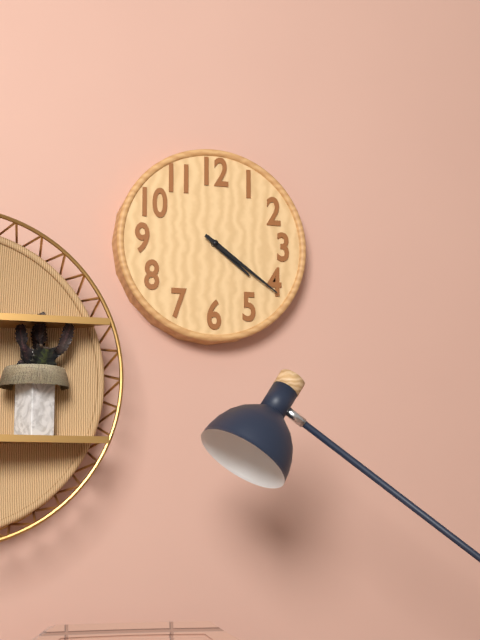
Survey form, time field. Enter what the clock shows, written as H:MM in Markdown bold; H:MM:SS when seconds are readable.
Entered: **4:21**
